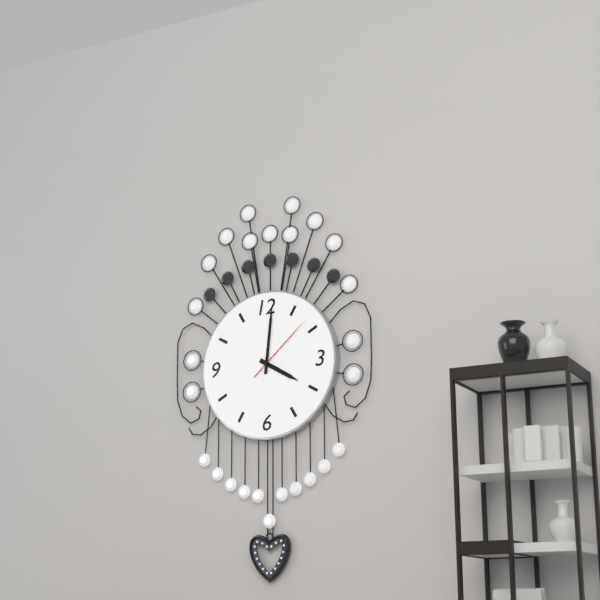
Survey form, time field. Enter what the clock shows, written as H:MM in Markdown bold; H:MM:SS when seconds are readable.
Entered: **4:01:08**
